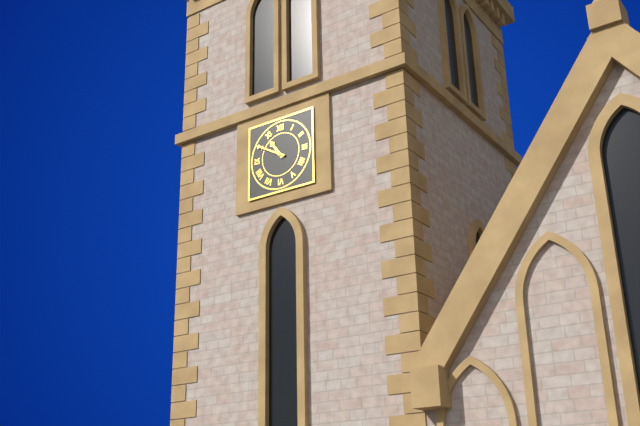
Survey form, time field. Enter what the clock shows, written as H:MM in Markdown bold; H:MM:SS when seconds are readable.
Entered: **10:50**
